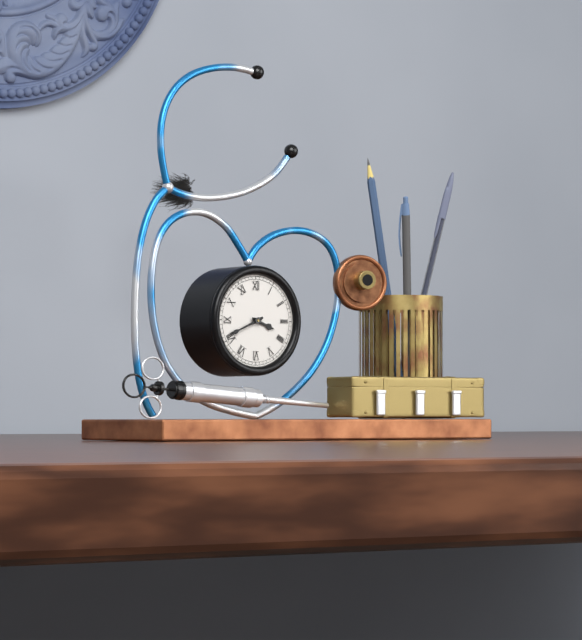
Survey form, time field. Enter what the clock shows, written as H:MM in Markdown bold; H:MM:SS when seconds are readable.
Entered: **3:41**
